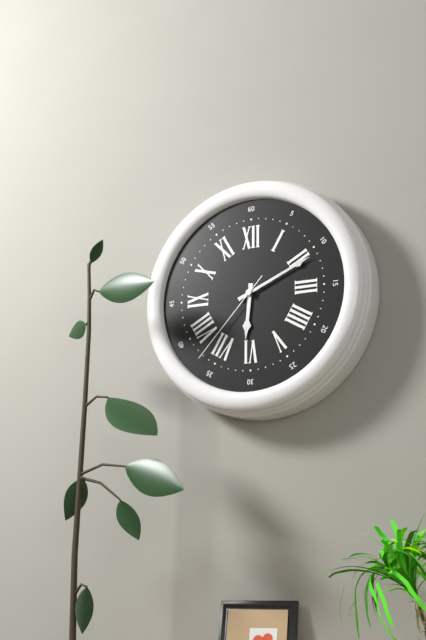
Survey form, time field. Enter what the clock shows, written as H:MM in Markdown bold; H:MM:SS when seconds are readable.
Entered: **6:11:37**
